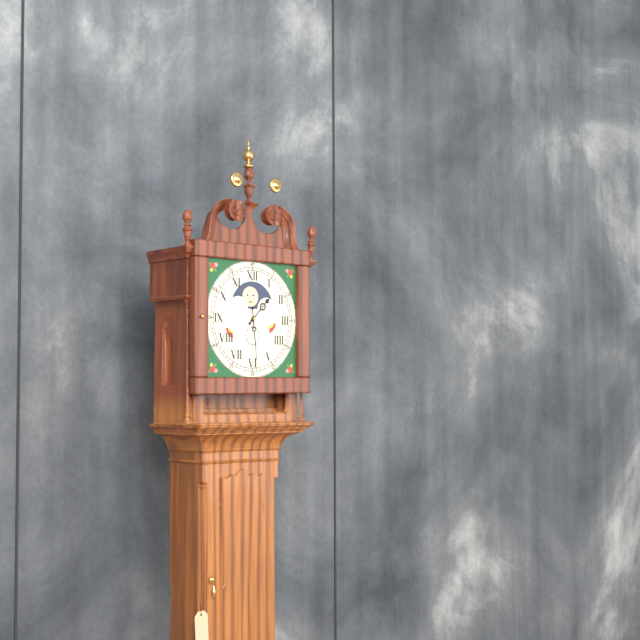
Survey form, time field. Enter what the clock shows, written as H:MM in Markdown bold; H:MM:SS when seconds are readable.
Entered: **1:29**
